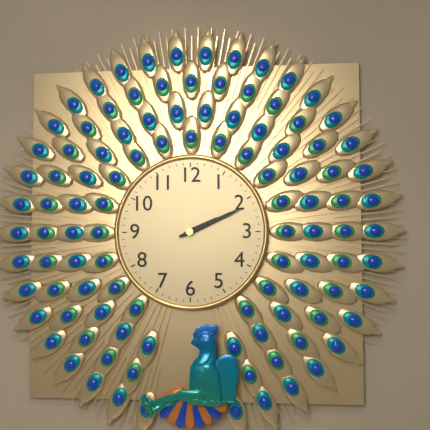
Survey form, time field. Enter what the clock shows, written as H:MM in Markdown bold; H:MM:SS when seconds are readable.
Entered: **2:11**
